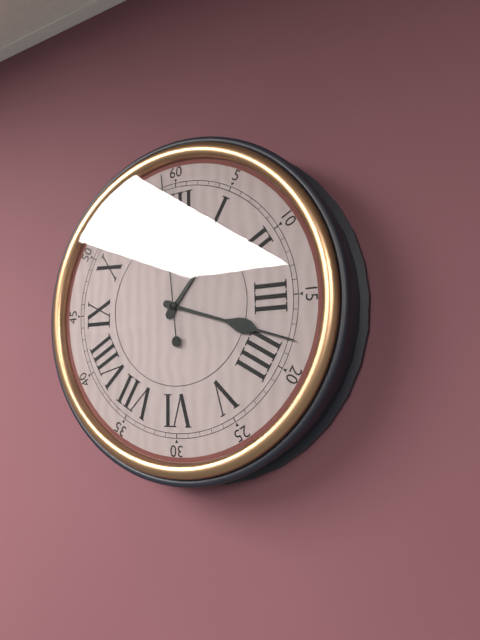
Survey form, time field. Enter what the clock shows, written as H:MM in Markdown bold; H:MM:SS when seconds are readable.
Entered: **1:18:59**
